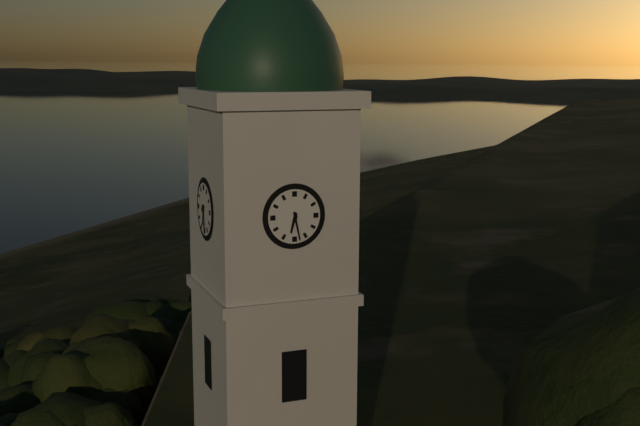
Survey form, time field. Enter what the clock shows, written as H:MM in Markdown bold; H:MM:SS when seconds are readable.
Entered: **6:28**
